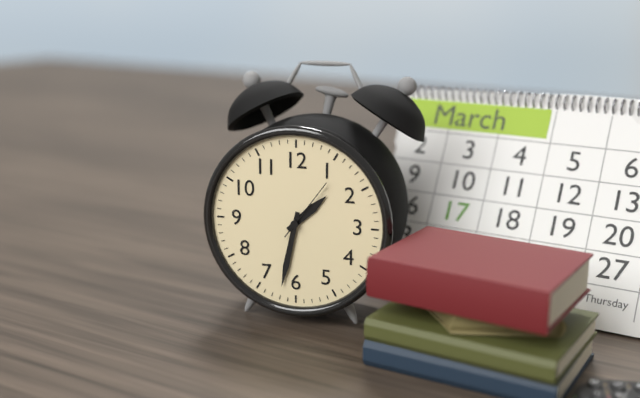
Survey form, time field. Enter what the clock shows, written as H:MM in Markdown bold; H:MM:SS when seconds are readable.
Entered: **1:32:06**
